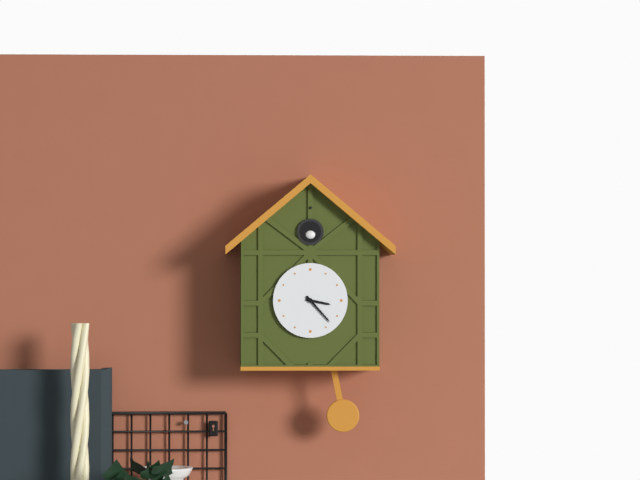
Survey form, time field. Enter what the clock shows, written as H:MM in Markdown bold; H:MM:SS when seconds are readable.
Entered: **3:23**
